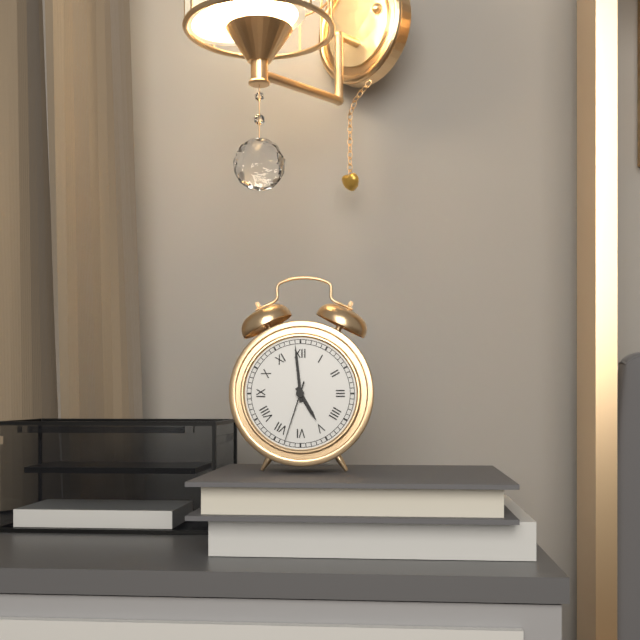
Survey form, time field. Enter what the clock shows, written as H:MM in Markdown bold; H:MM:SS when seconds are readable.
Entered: **4:59:33**
